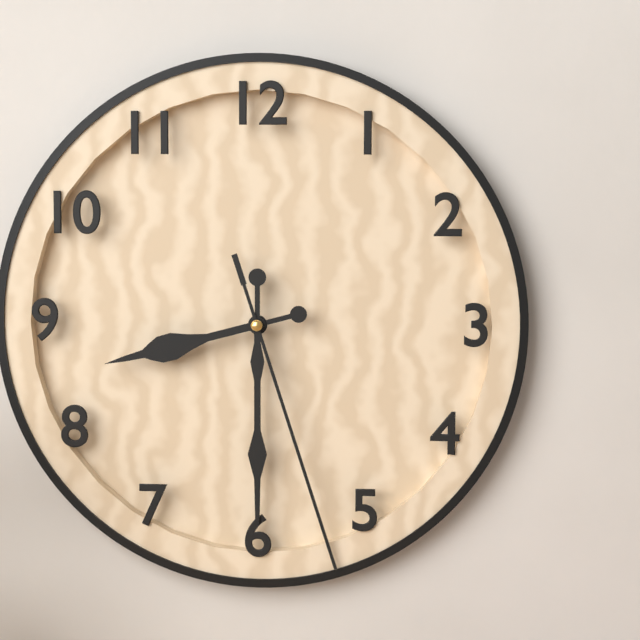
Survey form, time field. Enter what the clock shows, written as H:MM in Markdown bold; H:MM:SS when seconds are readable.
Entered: **8:30:27**
